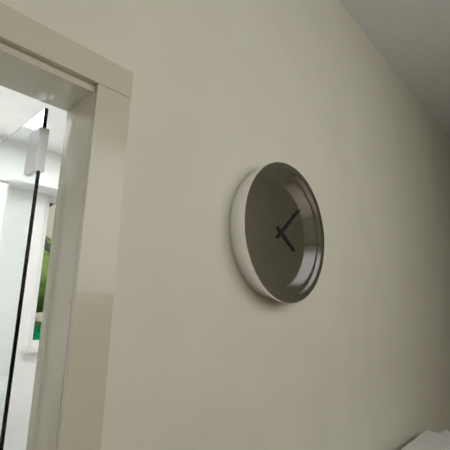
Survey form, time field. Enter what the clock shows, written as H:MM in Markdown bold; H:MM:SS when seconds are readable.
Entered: **4:08**
